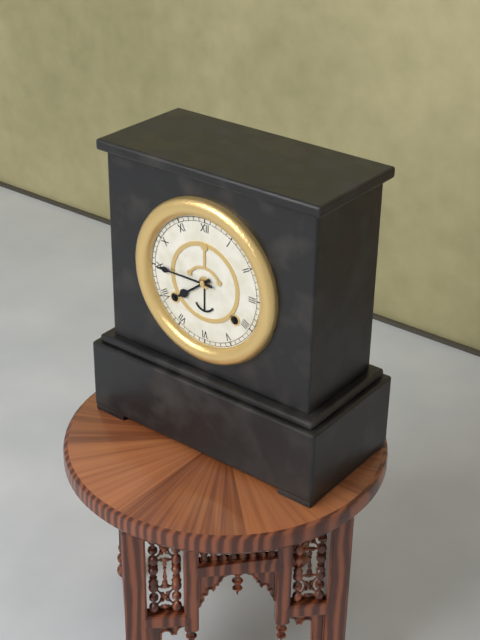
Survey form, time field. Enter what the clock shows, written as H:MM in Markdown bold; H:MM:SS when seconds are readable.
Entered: **7:45**
